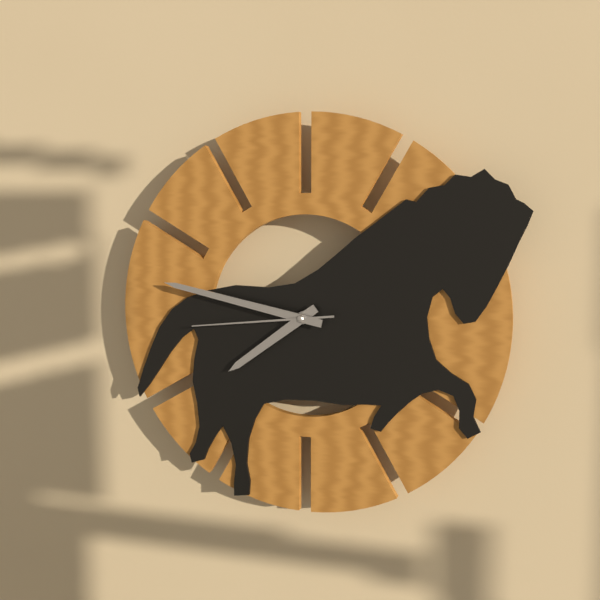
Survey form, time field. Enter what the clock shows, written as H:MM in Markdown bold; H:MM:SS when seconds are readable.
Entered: **7:47:44**
